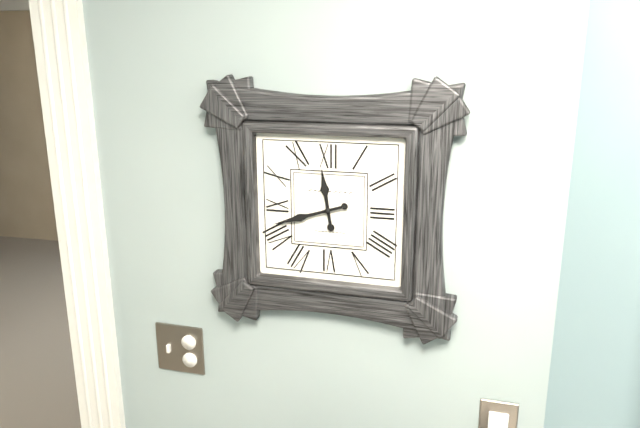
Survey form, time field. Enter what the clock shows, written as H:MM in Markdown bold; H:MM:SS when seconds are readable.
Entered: **11:42**
